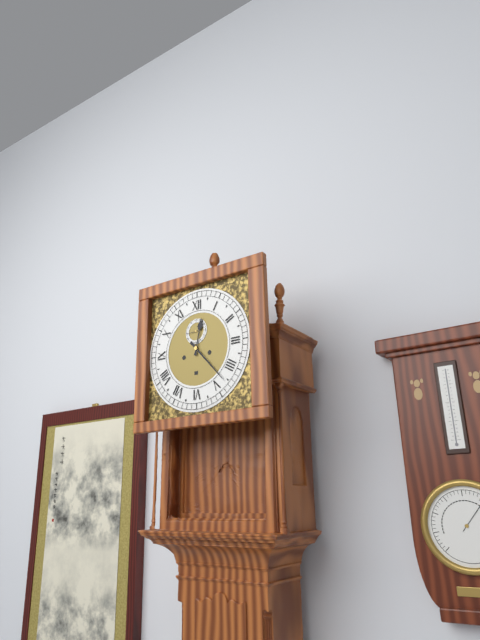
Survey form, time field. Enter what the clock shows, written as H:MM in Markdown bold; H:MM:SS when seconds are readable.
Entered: **12:23**
